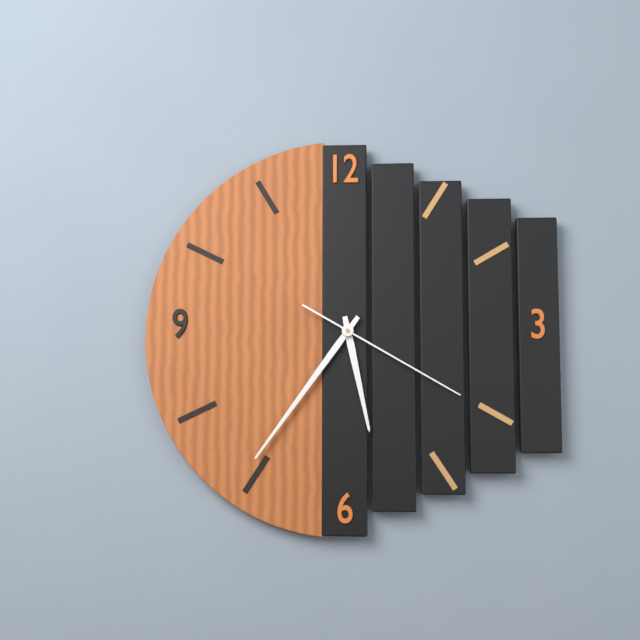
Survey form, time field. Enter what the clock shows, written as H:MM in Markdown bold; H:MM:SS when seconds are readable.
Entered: **5:36:20**
